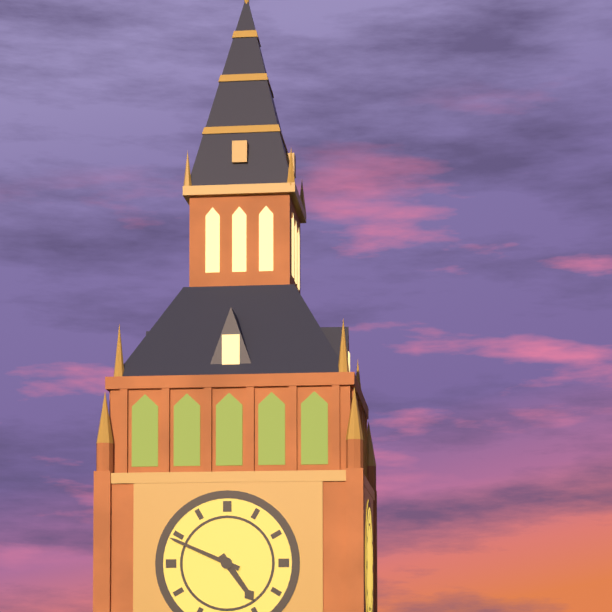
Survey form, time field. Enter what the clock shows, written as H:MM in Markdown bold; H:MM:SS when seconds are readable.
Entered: **4:49**
